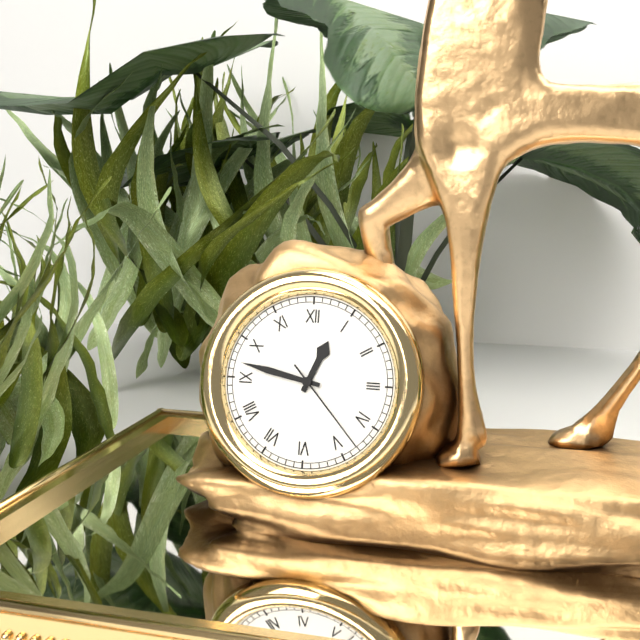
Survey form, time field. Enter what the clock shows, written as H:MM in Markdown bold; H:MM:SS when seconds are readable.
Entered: **12:47:23**
